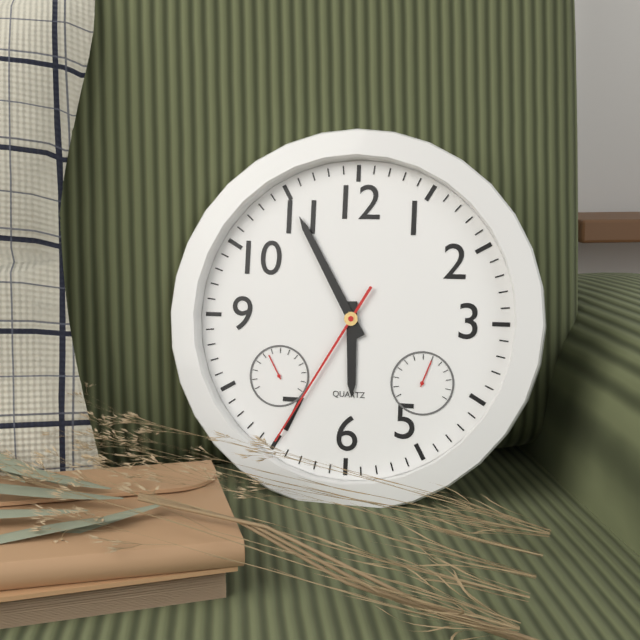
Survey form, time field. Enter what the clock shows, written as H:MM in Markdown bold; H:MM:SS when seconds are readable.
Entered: **5:55:35**
